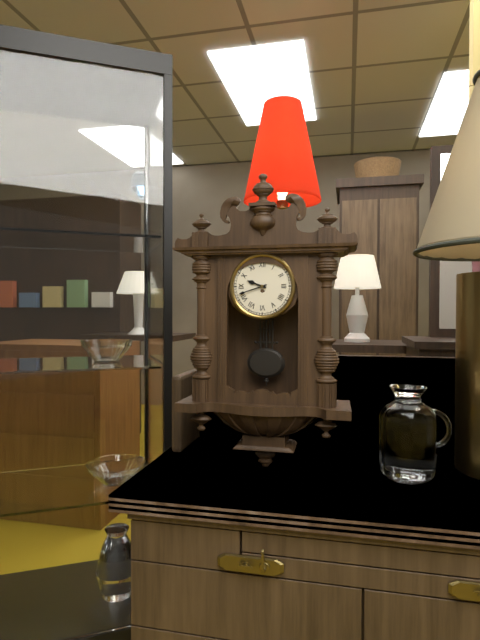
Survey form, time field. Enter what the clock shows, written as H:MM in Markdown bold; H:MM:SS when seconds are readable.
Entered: **9:42**
